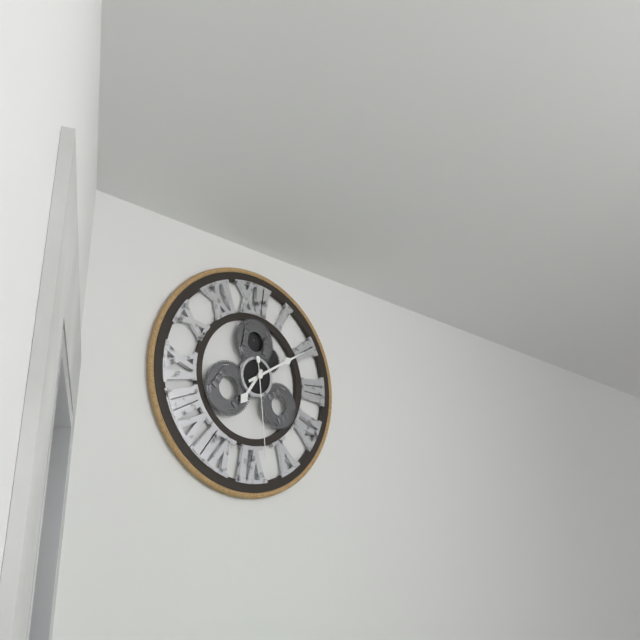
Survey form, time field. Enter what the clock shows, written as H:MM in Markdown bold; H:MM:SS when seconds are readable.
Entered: **7:10:29**
